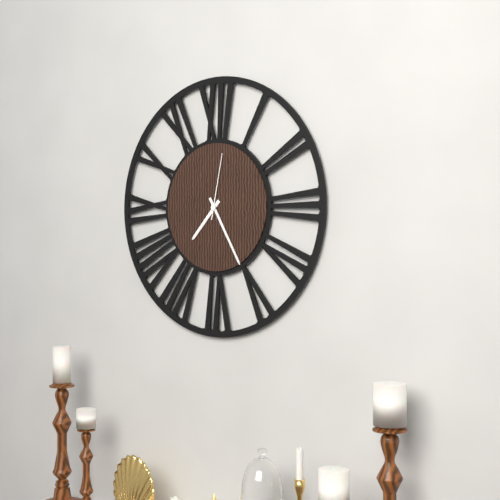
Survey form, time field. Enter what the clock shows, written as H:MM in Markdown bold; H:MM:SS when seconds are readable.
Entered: **7:25:02**
